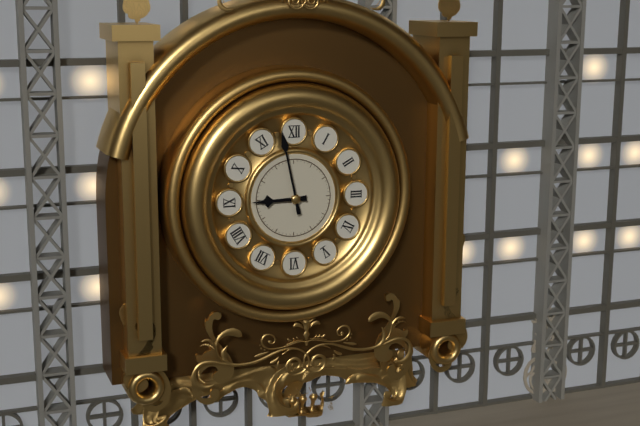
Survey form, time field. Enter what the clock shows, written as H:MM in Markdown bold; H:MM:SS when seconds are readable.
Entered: **8:58**
